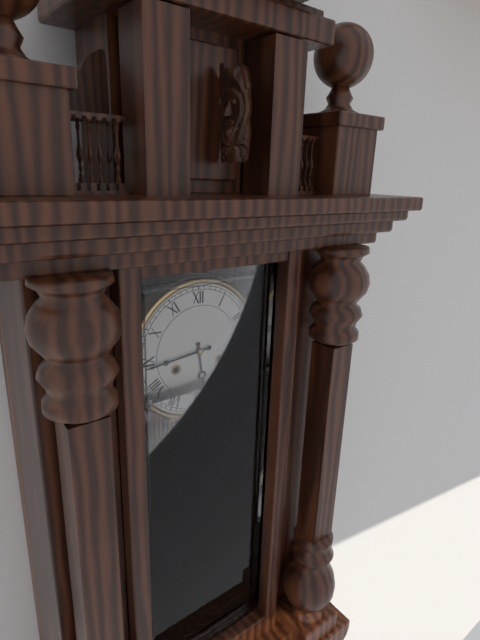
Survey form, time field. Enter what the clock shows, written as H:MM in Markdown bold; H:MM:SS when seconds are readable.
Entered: **5:44**
